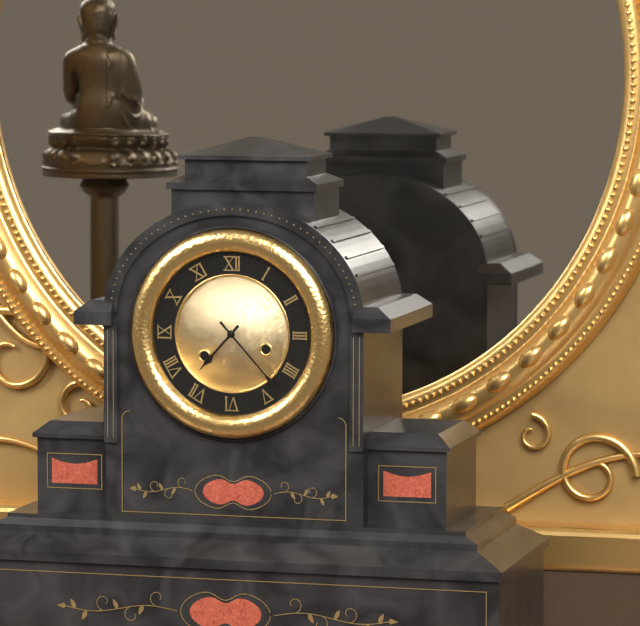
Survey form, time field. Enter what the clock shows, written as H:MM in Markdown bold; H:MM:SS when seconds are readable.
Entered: **7:23**
